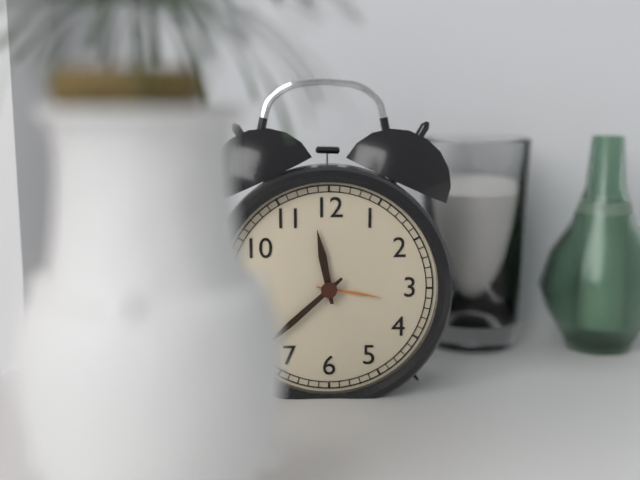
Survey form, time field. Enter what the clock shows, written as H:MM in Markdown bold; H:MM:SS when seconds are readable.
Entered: **11:38**
